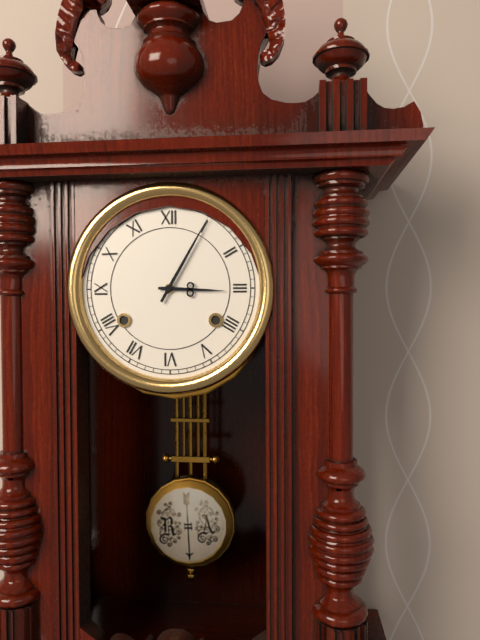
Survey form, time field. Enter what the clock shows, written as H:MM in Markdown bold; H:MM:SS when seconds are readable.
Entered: **3:05**
